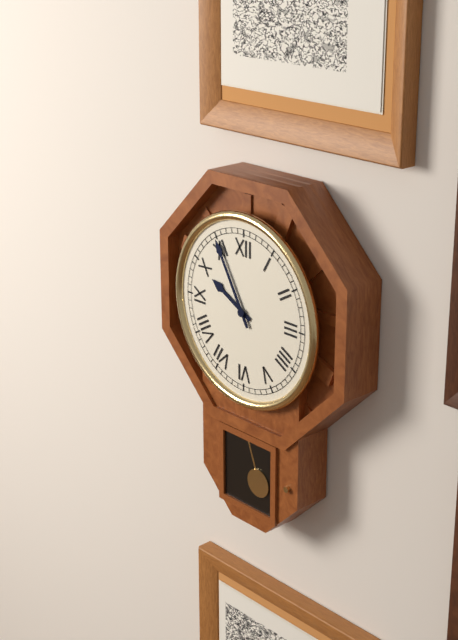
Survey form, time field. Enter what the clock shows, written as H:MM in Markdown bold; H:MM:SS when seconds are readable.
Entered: **9:55**
